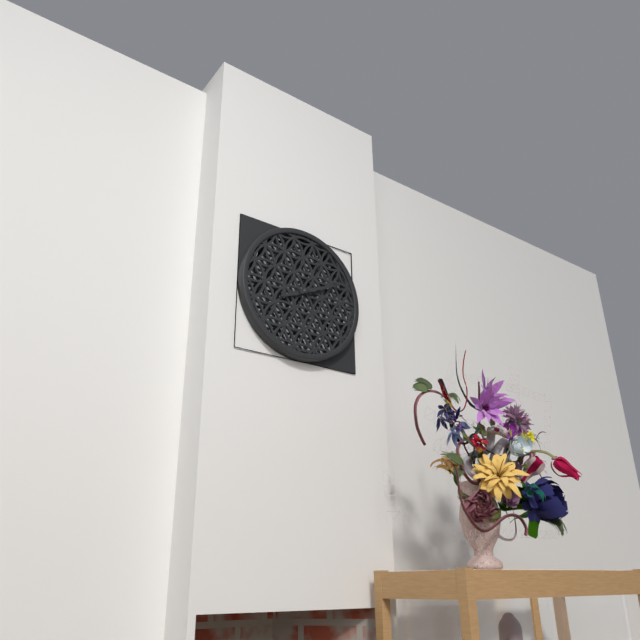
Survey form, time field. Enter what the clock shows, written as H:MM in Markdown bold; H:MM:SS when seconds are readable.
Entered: **8:11**
